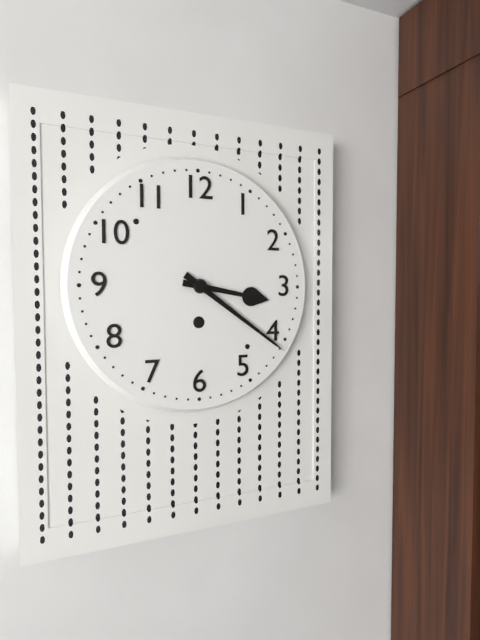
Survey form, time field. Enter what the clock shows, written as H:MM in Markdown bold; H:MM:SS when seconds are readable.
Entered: **3:21**
